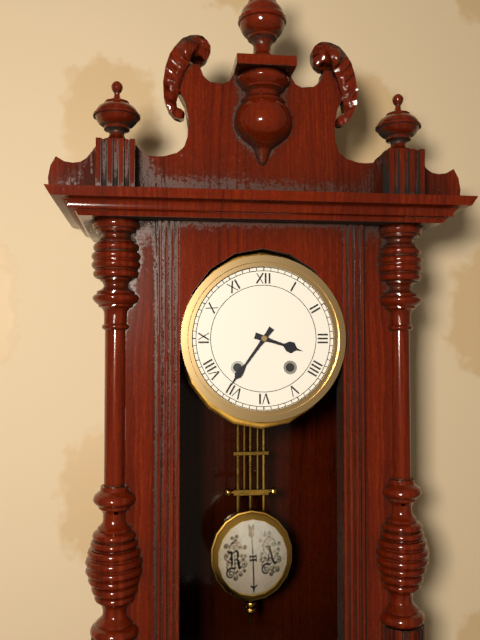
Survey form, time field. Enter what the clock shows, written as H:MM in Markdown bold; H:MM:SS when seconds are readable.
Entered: **3:36**
